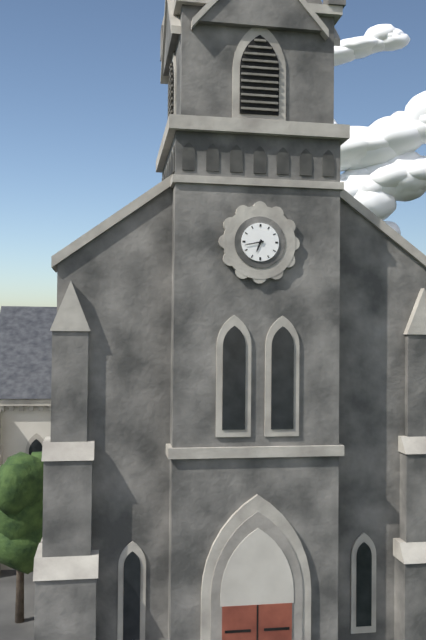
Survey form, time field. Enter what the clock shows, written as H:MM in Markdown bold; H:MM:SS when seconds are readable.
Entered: **6:43**
